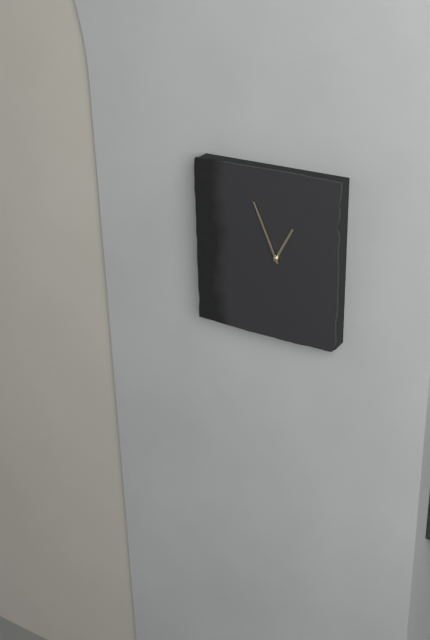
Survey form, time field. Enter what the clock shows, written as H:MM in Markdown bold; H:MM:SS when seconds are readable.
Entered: **12:56**
